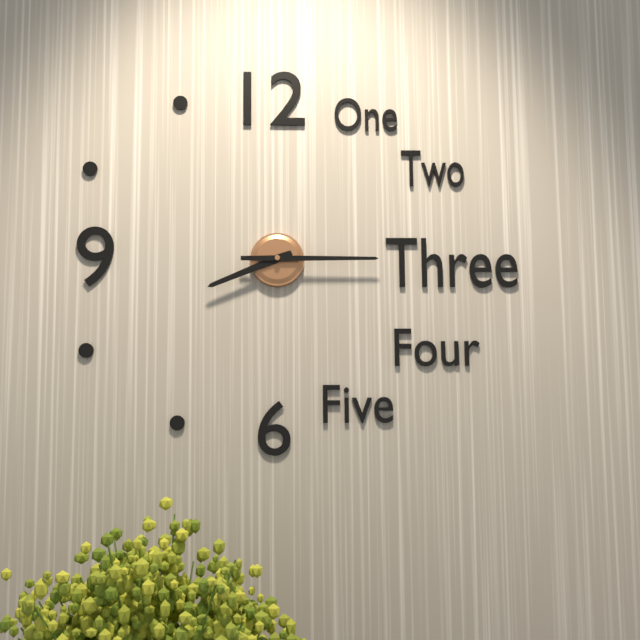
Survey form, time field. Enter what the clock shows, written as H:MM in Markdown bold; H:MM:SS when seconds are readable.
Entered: **8:15**
